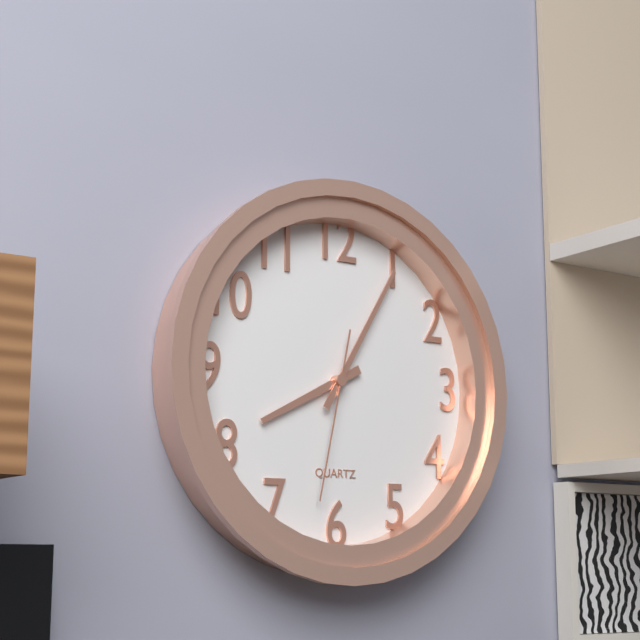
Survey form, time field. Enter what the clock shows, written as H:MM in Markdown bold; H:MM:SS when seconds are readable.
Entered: **8:05:32**
